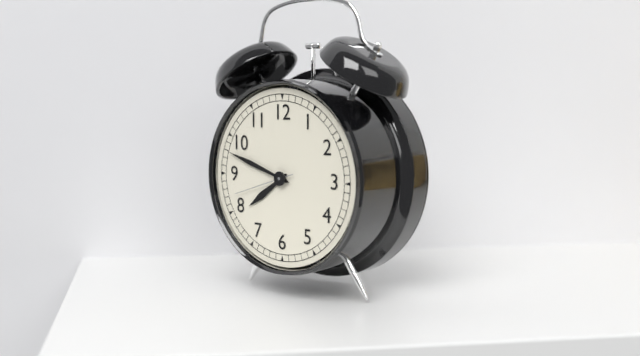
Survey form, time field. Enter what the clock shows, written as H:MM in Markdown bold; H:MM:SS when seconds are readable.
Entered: **7:48:42**
